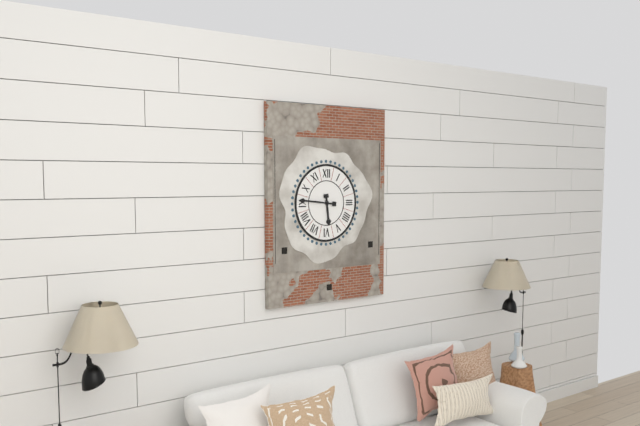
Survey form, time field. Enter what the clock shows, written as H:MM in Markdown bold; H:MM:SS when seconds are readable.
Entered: **5:46**
